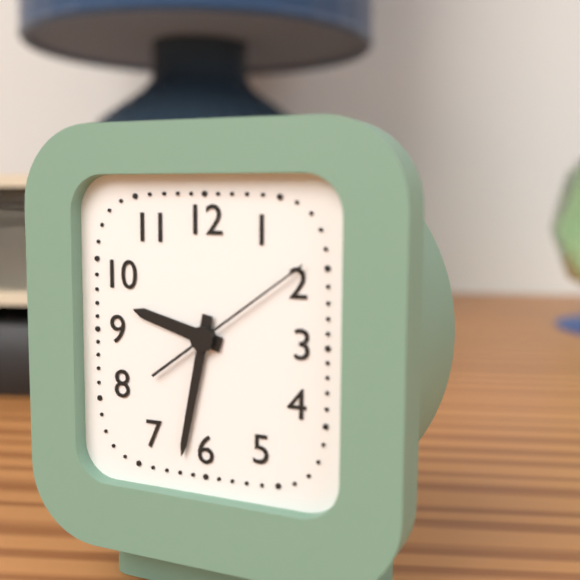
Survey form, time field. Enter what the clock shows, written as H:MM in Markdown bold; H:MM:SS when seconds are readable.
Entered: **9:32:09**
